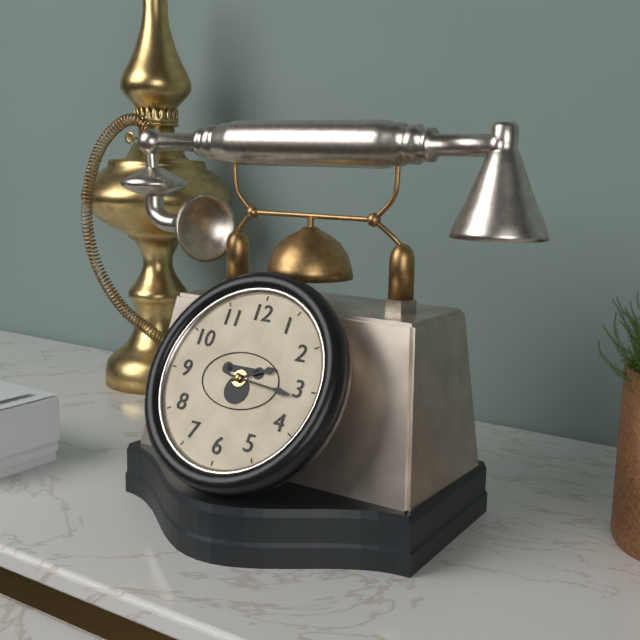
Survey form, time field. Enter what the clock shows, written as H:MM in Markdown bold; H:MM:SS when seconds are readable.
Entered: **2:16**
